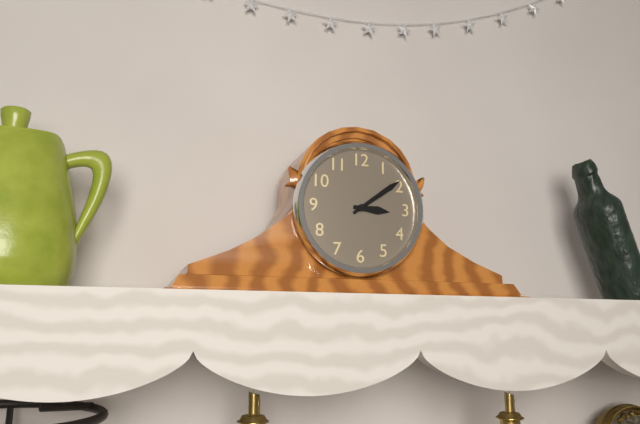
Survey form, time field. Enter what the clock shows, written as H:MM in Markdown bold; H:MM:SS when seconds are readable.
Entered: **3:09**
